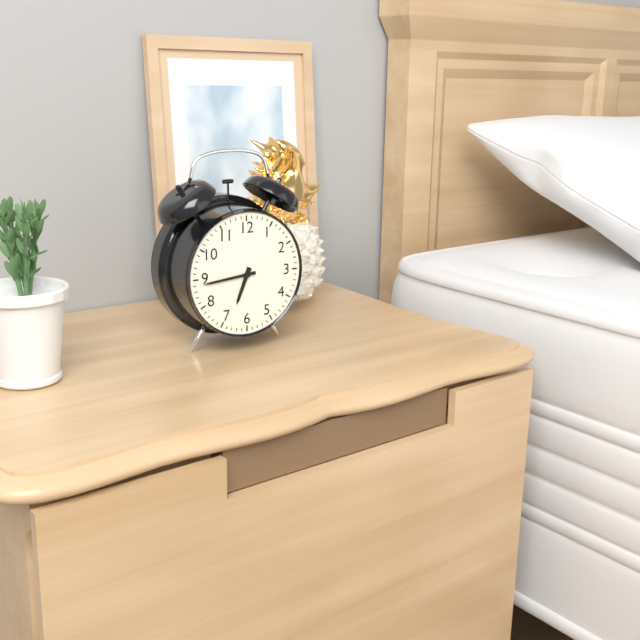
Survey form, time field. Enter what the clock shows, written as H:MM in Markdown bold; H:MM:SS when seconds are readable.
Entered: **6:44**
